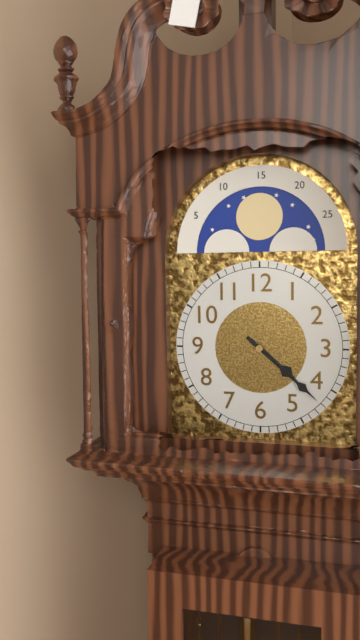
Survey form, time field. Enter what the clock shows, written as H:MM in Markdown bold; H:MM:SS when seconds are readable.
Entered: **4:22**
